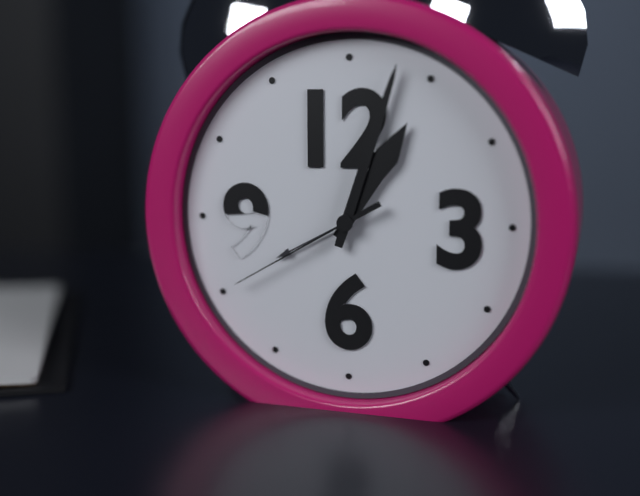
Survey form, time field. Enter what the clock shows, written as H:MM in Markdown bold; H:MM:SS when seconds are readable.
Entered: **1:03:40**
